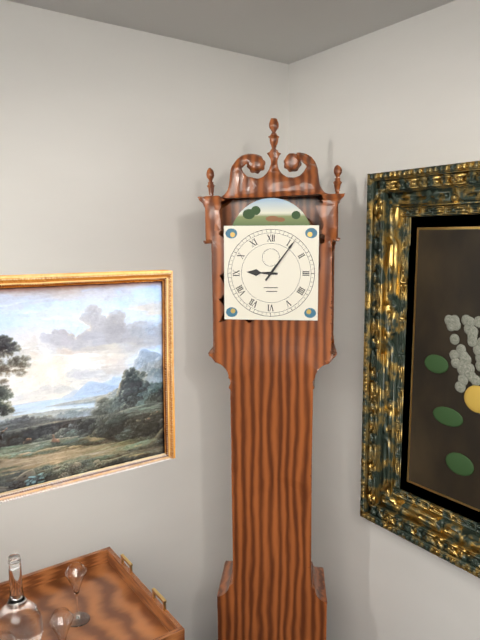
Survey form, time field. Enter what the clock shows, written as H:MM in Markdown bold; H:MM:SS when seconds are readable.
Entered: **9:06**
